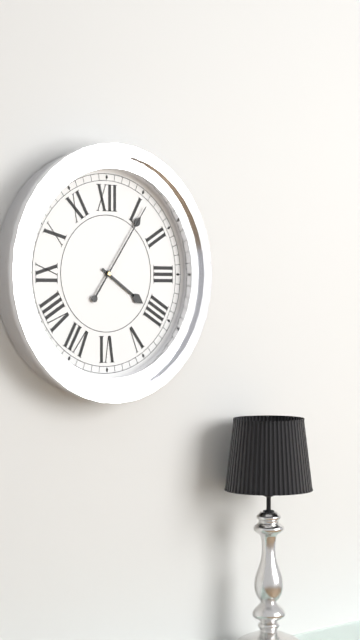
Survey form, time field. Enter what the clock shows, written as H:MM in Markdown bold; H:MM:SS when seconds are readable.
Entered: **4:06**
